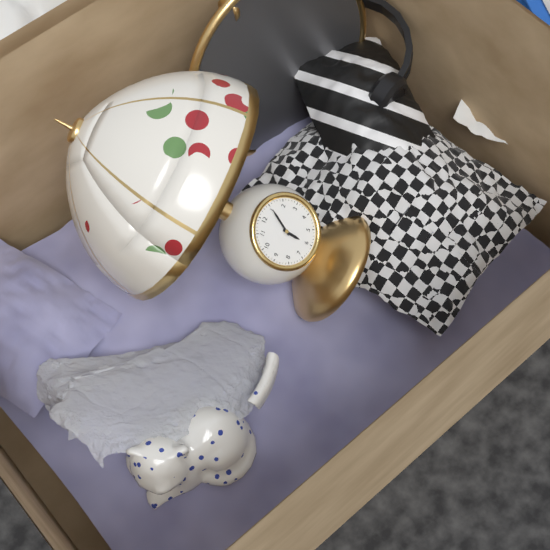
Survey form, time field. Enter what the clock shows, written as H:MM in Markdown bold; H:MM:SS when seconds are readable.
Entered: **6:05**
